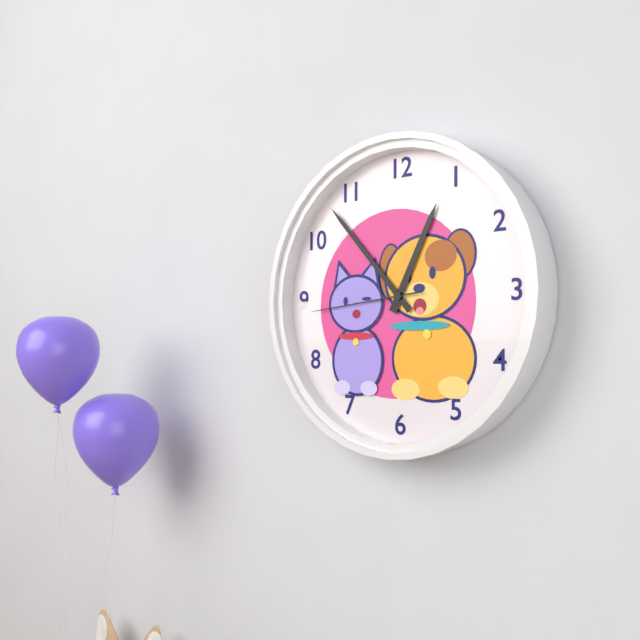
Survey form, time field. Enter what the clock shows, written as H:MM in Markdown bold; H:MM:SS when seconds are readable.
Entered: **12:53:44**
